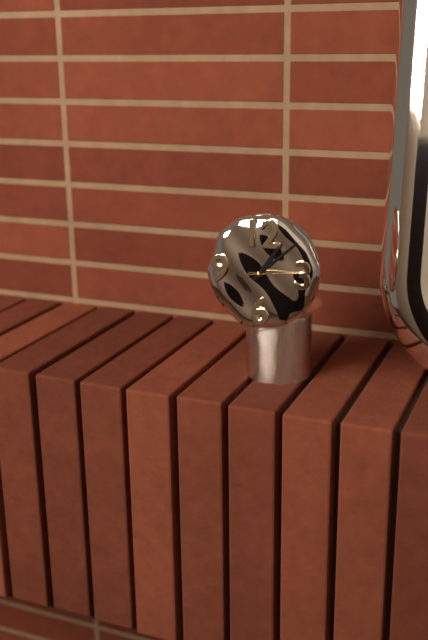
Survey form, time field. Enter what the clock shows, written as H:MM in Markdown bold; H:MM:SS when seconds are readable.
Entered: **1:08:14**
